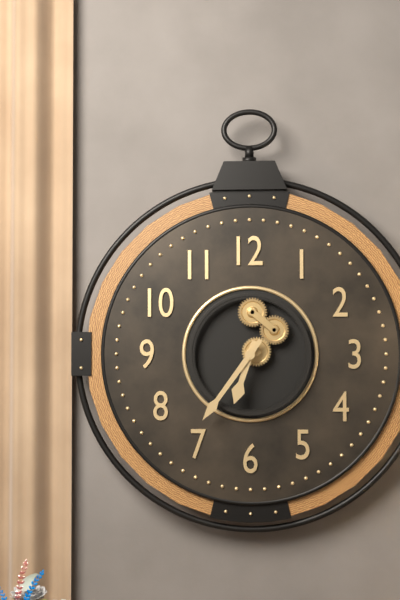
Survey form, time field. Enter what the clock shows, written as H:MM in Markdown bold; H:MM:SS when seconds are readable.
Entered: **6:36**
